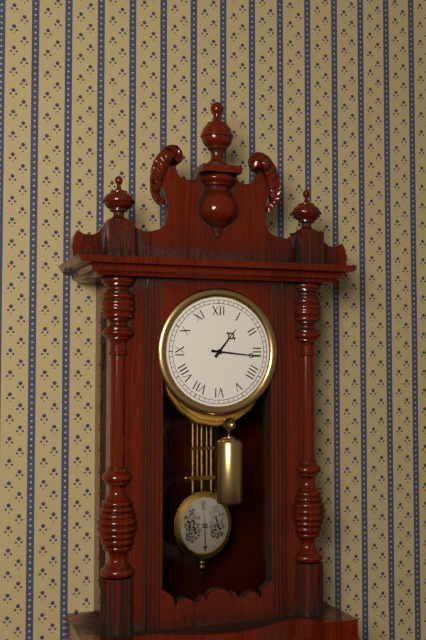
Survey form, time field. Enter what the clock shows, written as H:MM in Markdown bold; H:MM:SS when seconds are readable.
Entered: **1:16**
